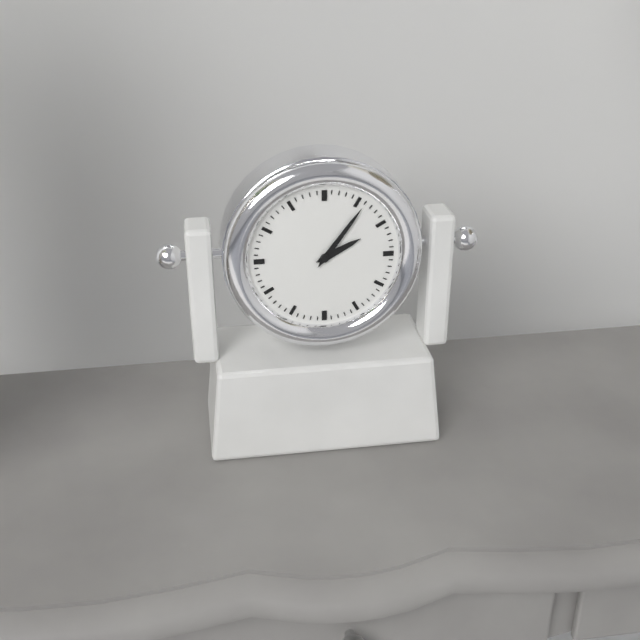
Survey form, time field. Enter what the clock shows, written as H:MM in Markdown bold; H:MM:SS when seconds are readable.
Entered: **2:06**
